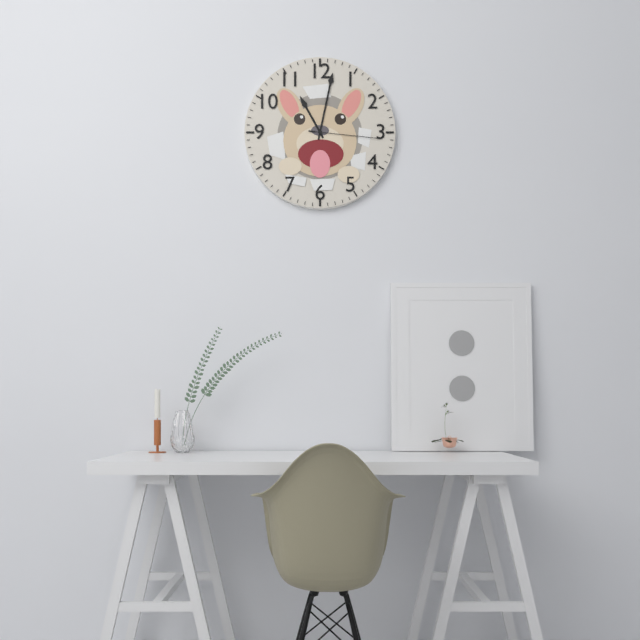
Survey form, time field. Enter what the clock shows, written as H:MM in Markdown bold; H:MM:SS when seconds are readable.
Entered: **11:02:16**
